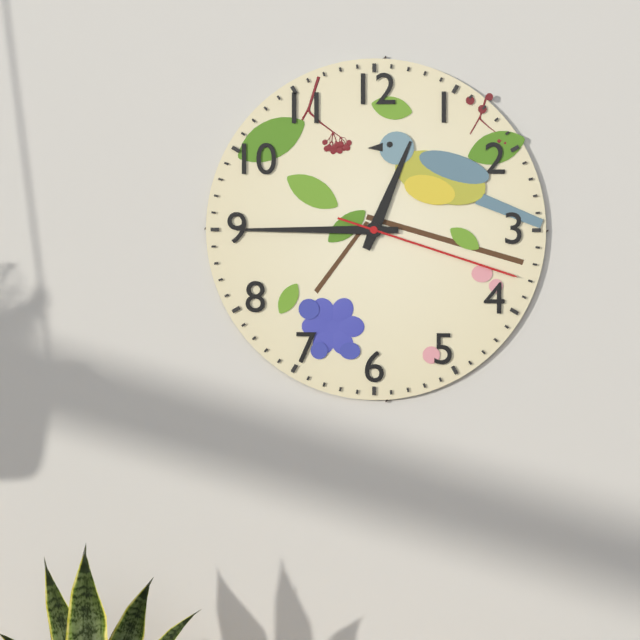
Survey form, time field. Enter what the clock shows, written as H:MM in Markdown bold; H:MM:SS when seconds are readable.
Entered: **12:45:18**
